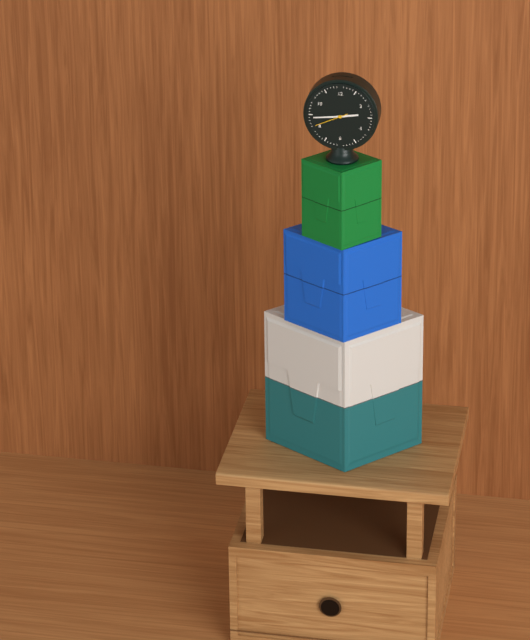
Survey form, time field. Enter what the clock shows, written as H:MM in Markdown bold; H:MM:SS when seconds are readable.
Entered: **2:44**
